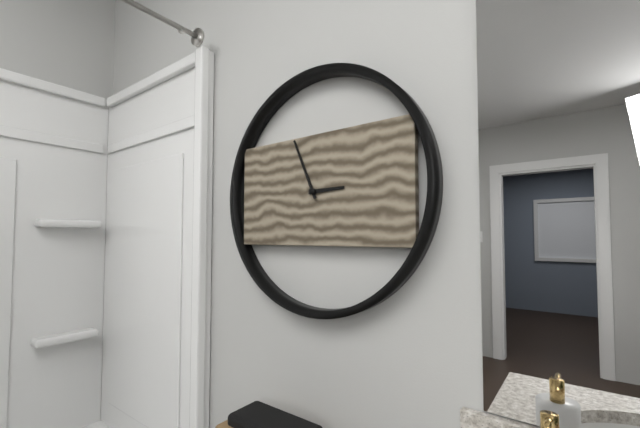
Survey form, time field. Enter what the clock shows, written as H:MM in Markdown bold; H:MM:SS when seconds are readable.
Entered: **2:56**
